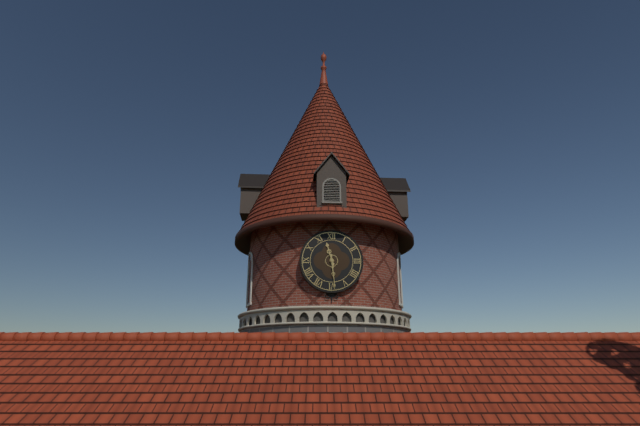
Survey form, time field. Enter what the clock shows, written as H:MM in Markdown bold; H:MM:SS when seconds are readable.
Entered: **11:29**
